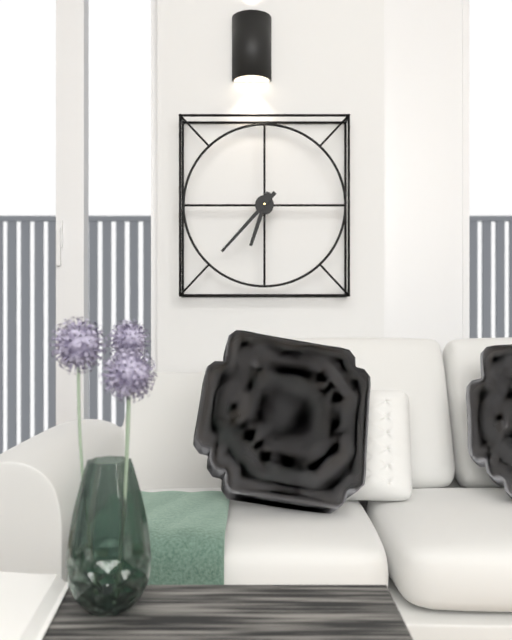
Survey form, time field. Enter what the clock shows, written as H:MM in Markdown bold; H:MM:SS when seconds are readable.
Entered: **6:37**
